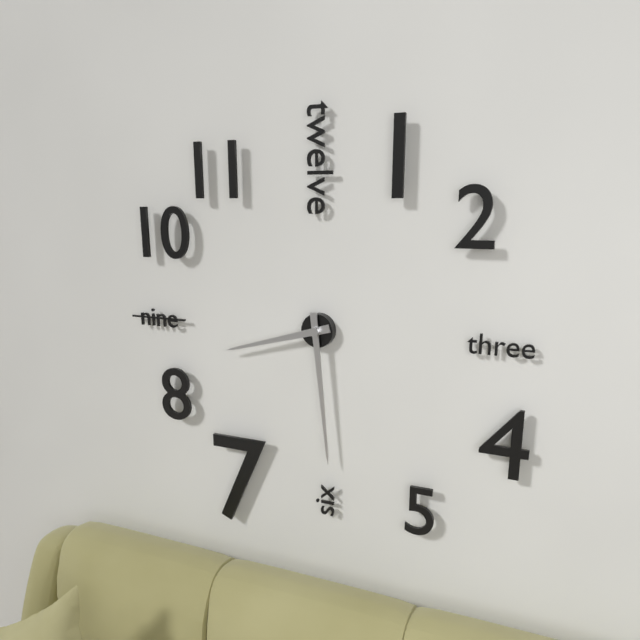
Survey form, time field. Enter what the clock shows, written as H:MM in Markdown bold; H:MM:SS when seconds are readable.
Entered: **8:29**
